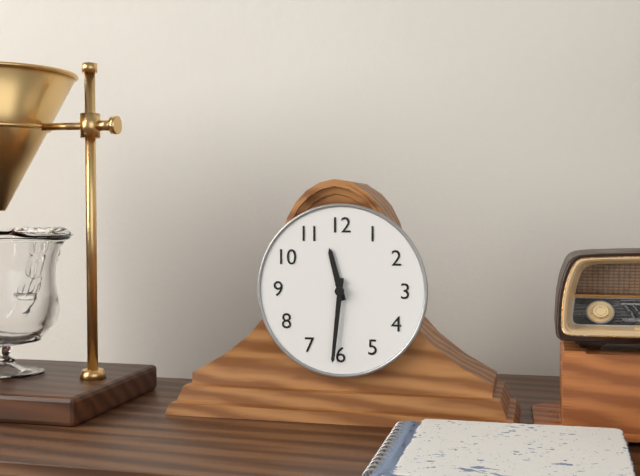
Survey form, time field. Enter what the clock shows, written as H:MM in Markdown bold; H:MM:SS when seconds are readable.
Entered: **11:31**
